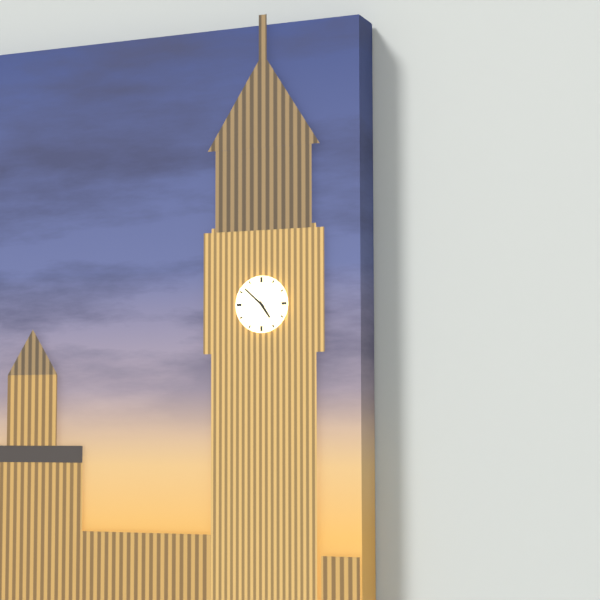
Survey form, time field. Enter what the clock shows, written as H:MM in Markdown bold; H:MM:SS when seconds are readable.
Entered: **4:52**
